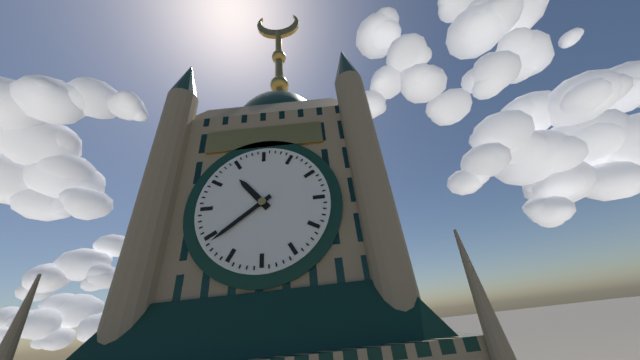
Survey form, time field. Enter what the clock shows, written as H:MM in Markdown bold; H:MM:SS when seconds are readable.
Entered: **10:39**
